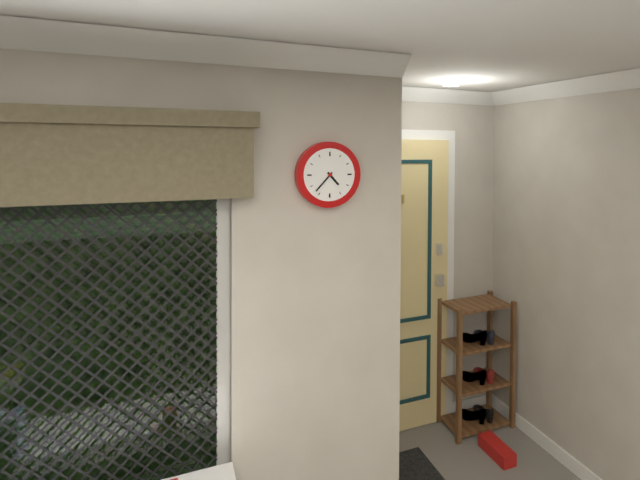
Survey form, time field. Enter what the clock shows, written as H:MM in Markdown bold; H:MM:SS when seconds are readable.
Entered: **4:37**
